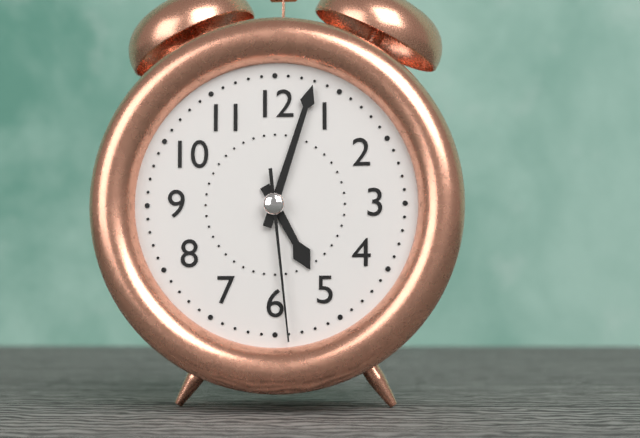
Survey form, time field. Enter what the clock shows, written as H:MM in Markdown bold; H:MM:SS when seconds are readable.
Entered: **5:03:29**
